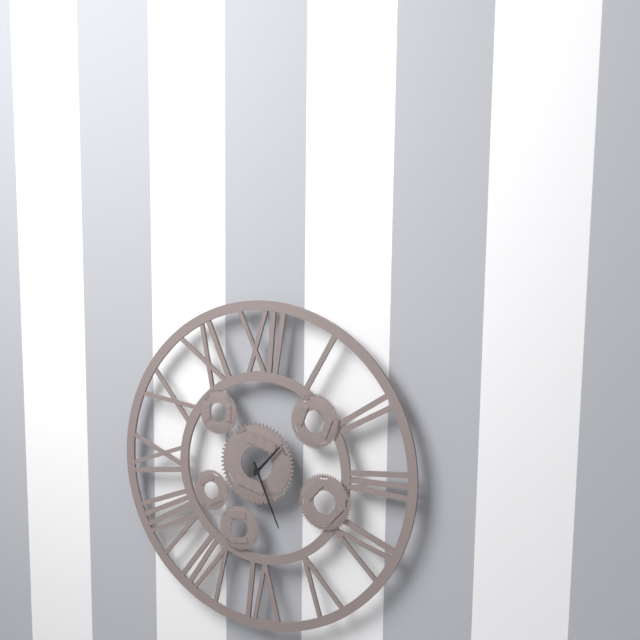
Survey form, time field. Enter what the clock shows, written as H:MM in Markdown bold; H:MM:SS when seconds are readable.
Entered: **1:26**
